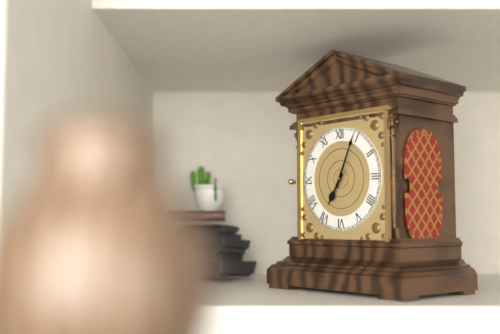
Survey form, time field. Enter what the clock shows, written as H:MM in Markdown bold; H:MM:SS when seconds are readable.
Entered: **7:04**
